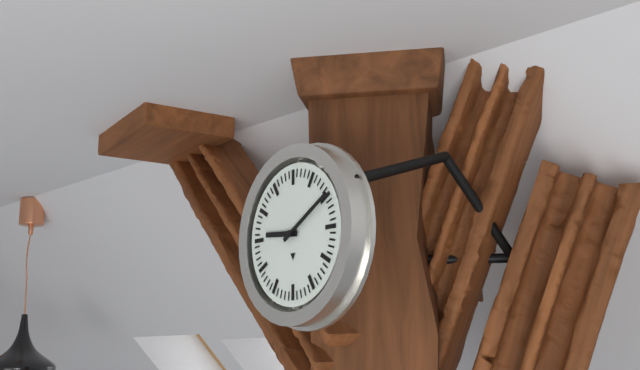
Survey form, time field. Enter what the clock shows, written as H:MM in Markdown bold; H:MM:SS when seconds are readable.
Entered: **9:10**
